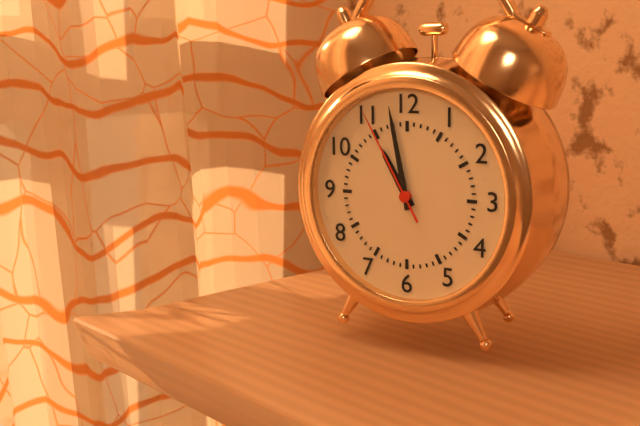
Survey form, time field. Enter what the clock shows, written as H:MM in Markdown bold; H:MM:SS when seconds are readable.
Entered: **10:58:55**
